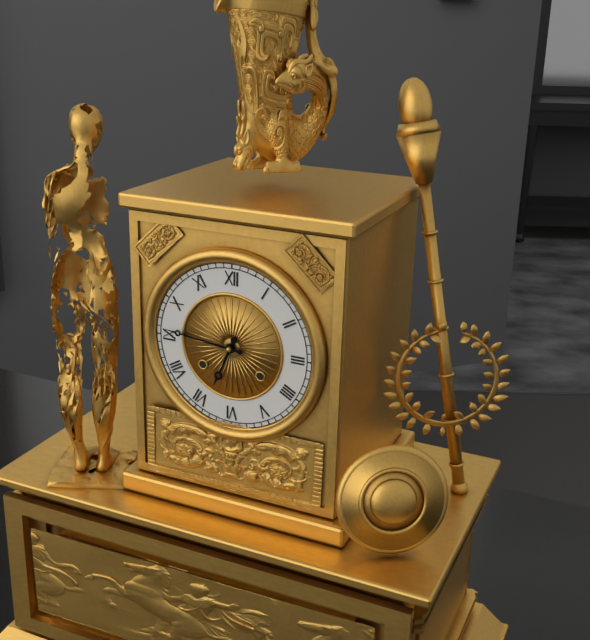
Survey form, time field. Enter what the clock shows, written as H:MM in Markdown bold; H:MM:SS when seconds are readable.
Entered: **6:46**
